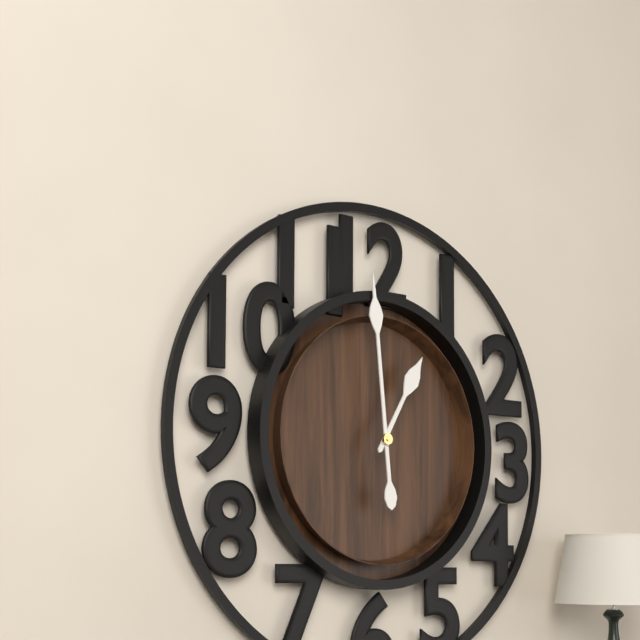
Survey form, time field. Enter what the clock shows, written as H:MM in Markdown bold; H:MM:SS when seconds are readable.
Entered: **12:59**
